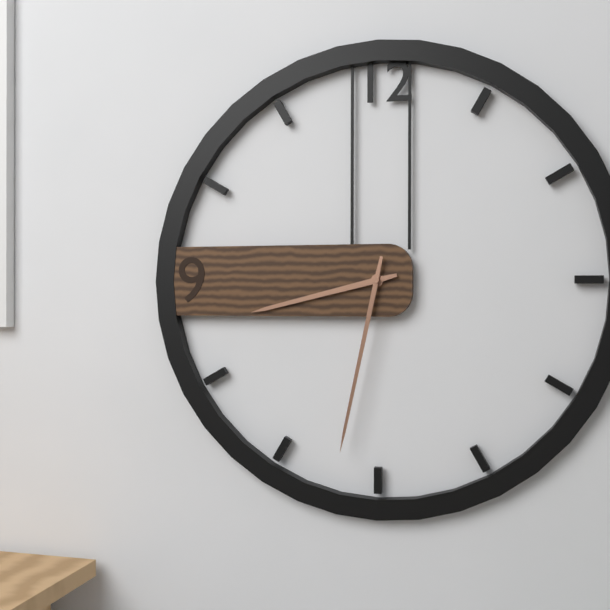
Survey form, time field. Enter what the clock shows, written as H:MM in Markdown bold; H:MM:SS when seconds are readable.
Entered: **8:32**
